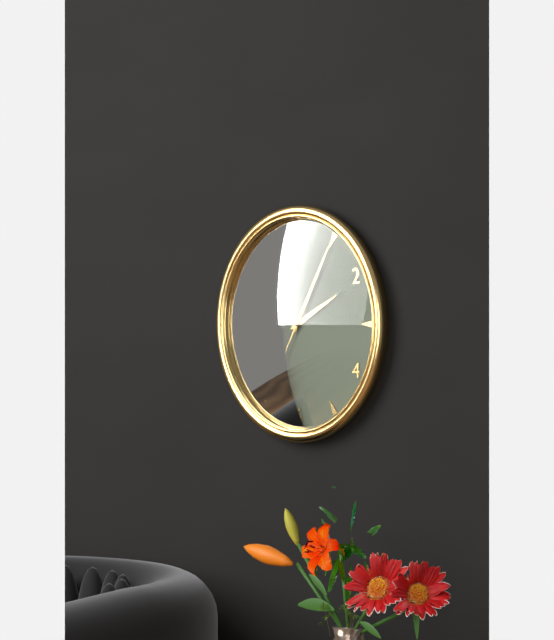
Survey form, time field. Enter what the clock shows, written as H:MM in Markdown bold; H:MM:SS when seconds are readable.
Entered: **2:05:35**
